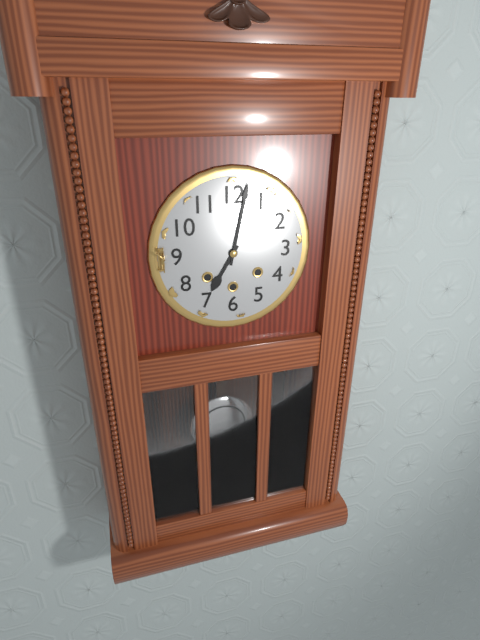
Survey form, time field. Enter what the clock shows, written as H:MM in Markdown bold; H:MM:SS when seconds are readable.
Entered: **7:02**
